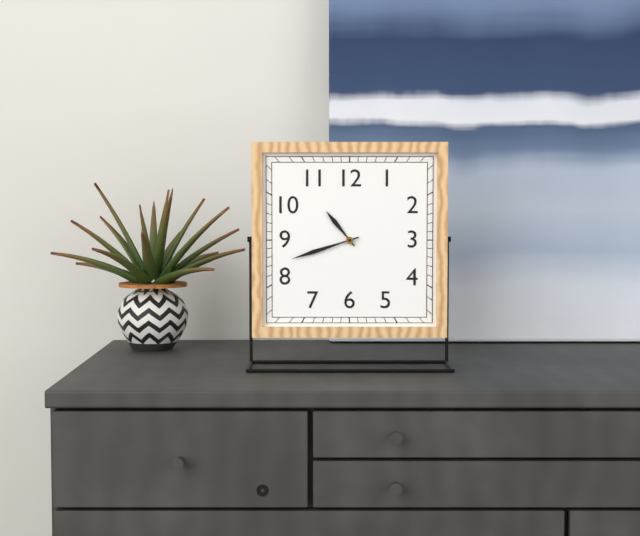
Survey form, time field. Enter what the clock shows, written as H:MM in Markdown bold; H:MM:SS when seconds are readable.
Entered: **10:42**
